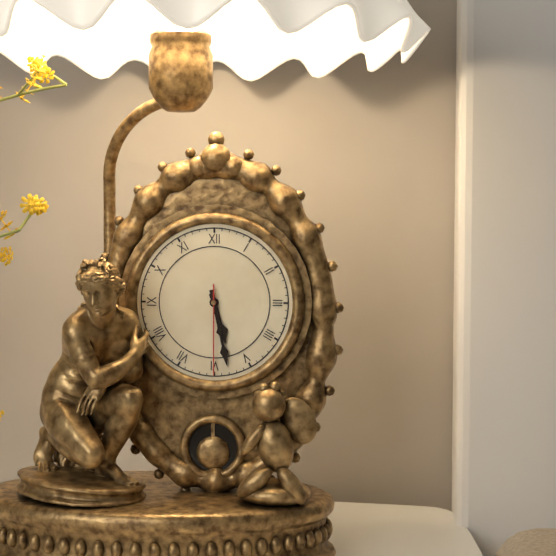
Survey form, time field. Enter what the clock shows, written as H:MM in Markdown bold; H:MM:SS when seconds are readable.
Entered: **5:28:30**
